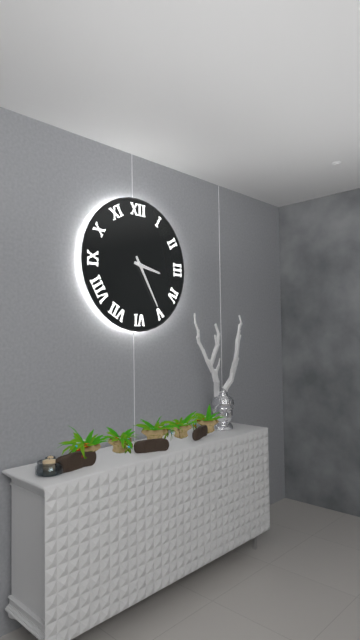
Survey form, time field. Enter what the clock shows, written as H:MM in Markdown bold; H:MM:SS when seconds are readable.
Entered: **3:25**
